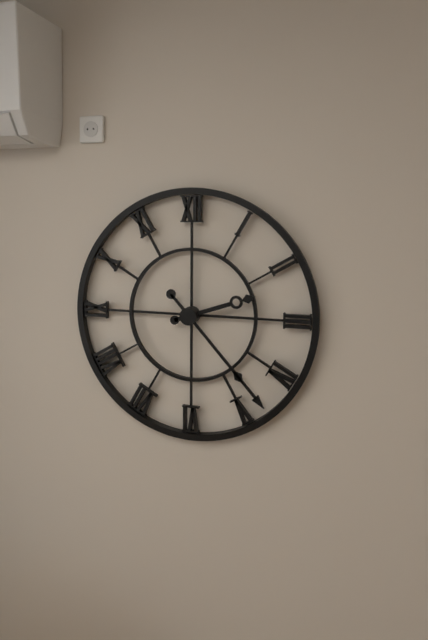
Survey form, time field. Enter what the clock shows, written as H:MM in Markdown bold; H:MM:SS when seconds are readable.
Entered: **2:23**
